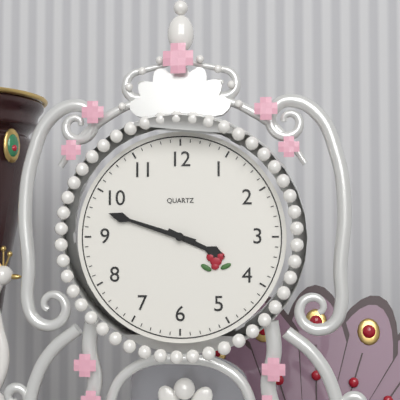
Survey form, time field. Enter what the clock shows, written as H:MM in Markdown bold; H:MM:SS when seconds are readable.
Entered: **3:48**
